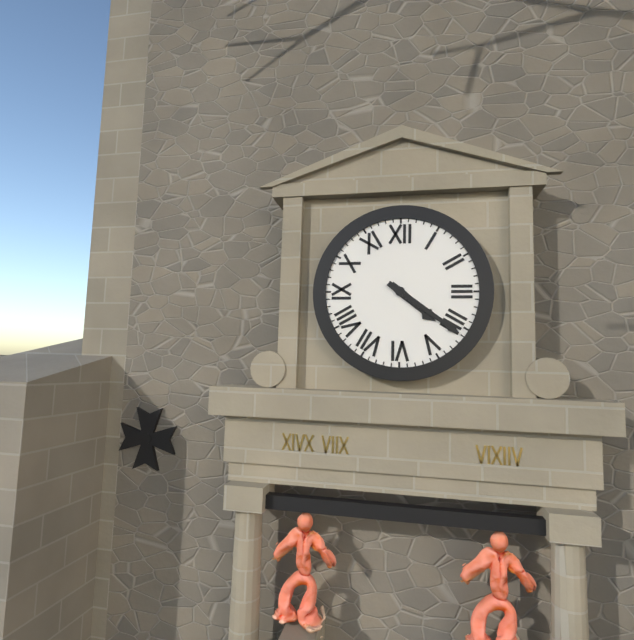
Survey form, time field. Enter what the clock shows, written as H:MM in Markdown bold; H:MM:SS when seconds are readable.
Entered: **4:21**
